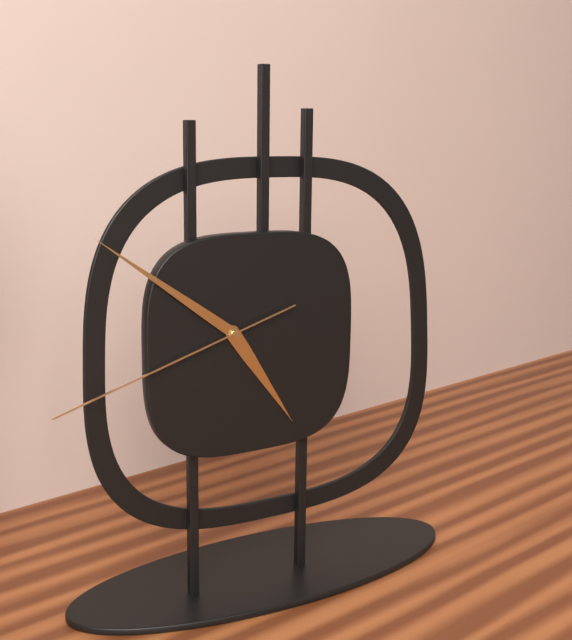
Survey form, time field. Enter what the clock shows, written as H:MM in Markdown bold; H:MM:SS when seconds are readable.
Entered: **4:51:42**
